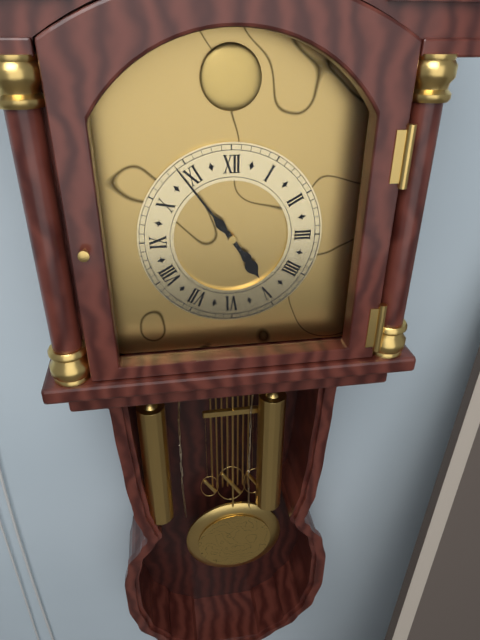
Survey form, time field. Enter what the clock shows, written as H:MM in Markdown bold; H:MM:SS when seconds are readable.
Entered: **4:54**
